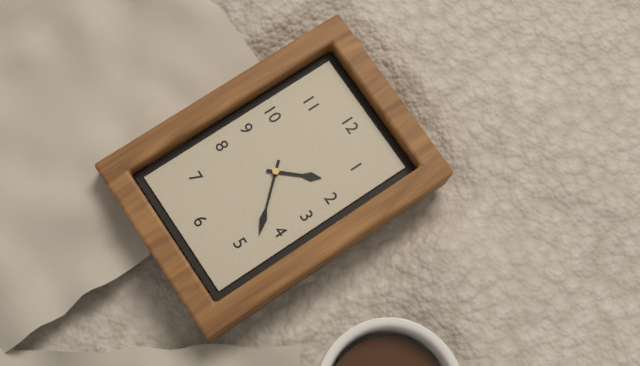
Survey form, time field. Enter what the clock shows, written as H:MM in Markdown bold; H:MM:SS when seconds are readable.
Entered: **1:23**
